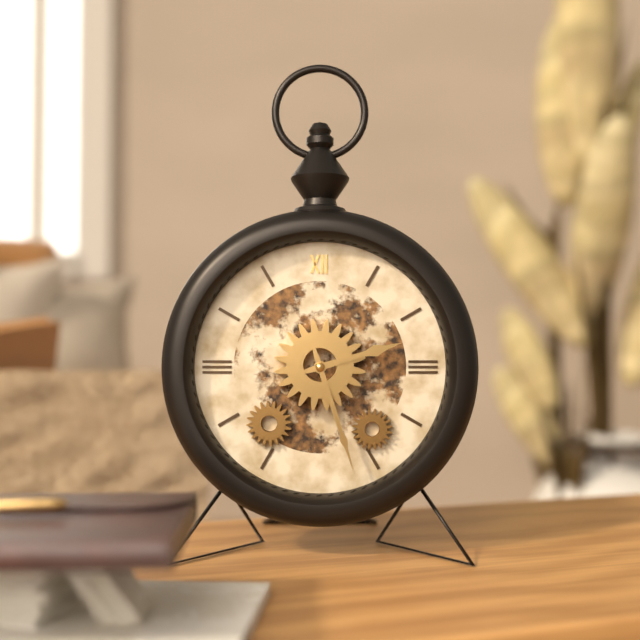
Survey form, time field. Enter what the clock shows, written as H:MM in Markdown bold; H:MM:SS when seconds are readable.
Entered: **2:27**
